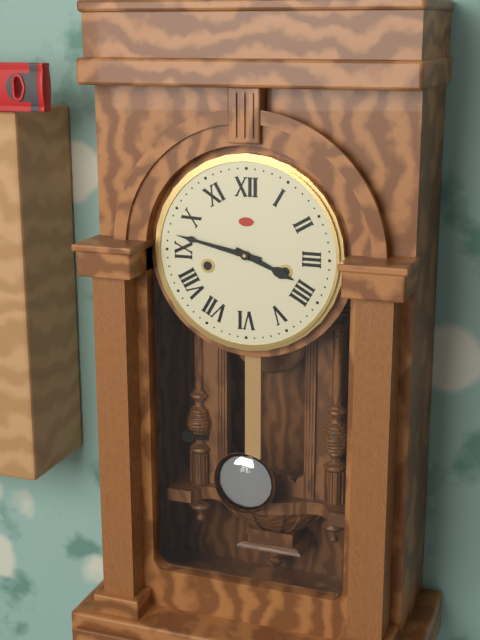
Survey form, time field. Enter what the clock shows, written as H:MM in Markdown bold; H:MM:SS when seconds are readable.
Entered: **3:47**
